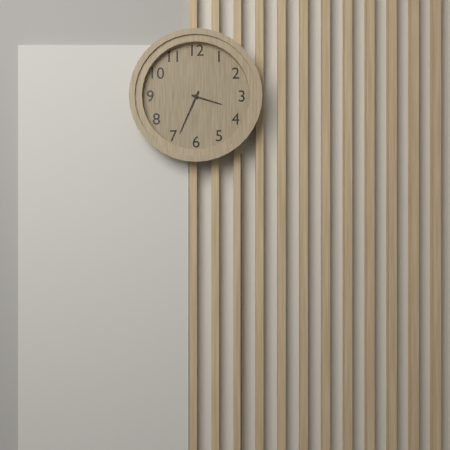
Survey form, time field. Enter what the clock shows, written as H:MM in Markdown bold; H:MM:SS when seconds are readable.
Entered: **3:34**
